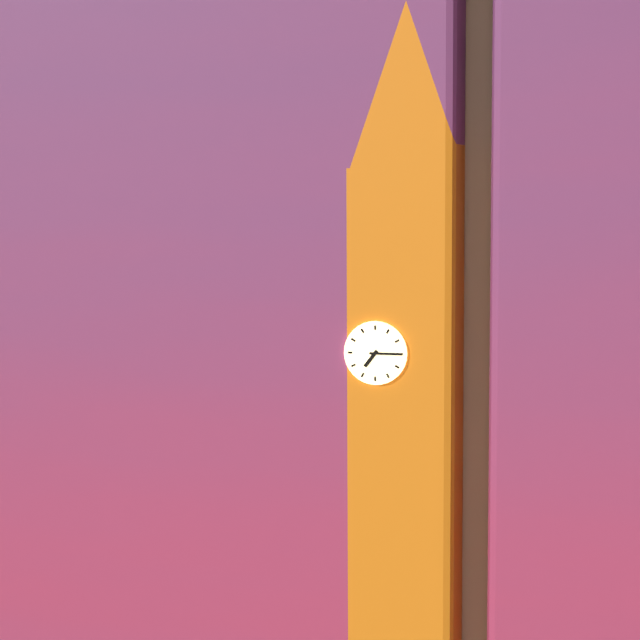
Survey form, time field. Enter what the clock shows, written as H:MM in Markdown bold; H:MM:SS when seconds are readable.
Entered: **7:15**
